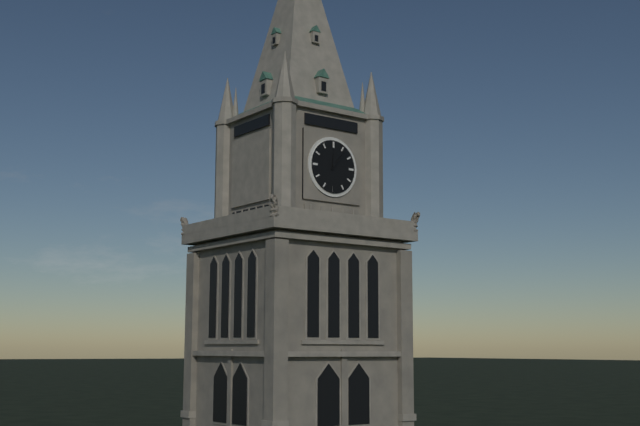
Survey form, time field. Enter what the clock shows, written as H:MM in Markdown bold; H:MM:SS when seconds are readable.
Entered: **12:07**
